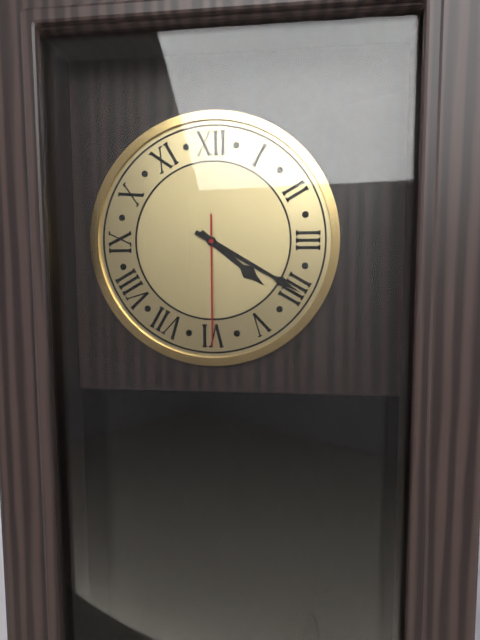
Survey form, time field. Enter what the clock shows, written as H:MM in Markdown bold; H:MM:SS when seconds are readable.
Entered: **4:20:30**
